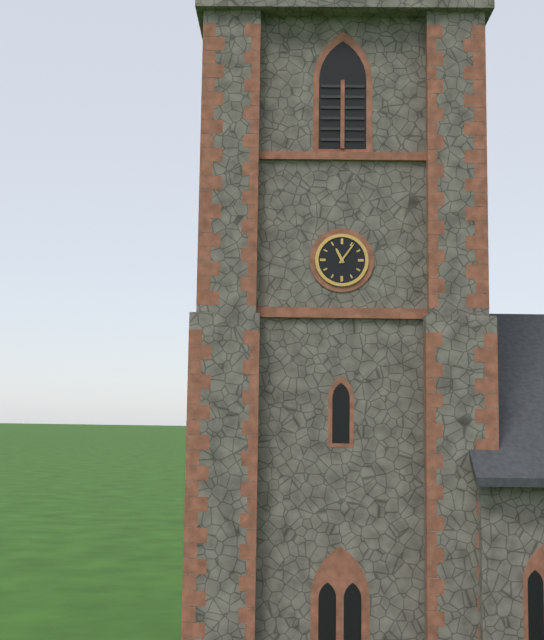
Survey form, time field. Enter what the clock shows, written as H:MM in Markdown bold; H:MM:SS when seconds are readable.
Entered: **11:06**
